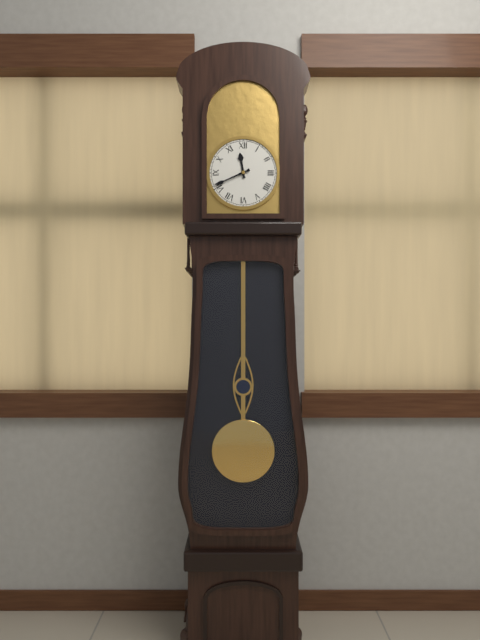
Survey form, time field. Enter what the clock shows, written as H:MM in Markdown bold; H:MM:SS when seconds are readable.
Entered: **11:41**
